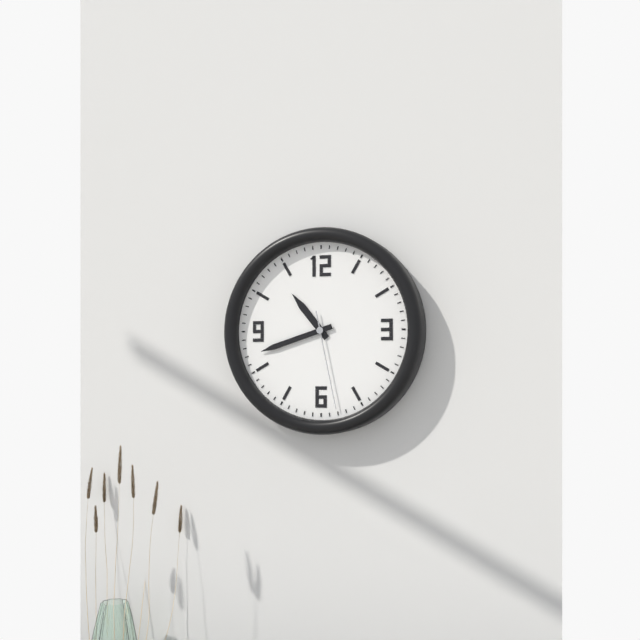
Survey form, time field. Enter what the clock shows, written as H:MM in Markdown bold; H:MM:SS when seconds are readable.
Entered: **10:42:28**
